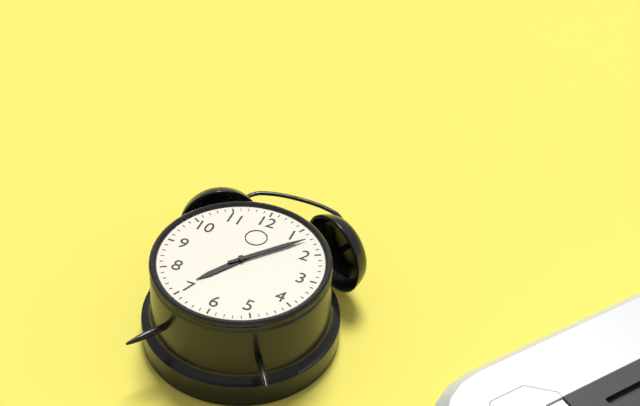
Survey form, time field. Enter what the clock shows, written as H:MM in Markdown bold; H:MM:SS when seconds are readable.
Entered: **7:07**
